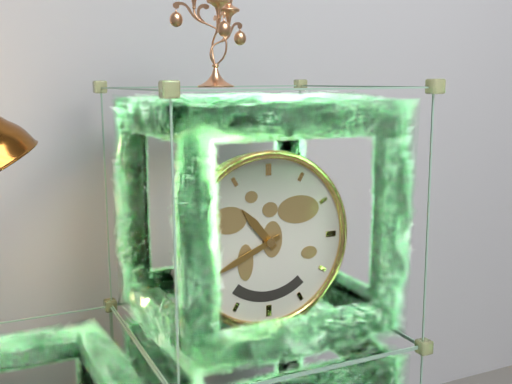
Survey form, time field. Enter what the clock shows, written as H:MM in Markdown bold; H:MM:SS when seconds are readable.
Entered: **10:41**
